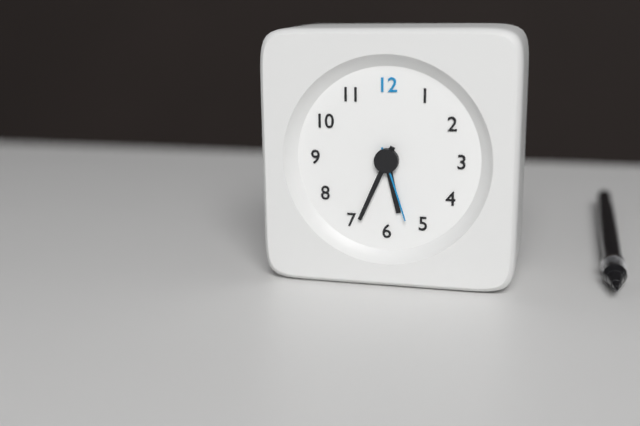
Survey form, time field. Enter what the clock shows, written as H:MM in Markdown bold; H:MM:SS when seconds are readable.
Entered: **5:34:27**
